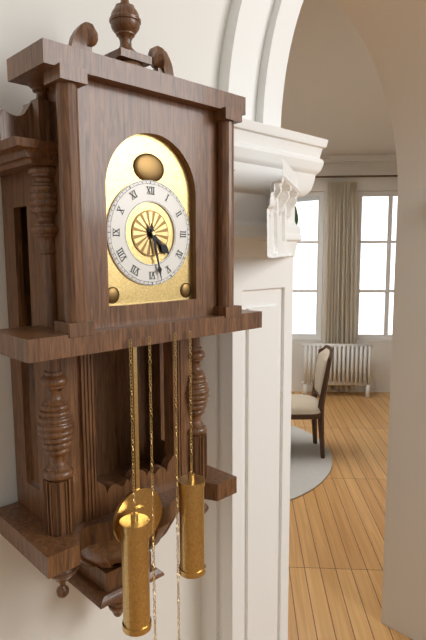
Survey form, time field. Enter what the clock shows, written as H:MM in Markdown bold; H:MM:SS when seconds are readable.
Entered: **4:28**
